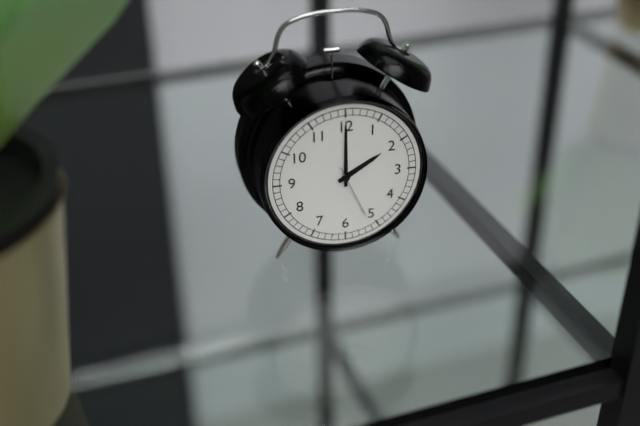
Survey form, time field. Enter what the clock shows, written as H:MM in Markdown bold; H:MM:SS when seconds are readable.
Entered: **2:00:26**
